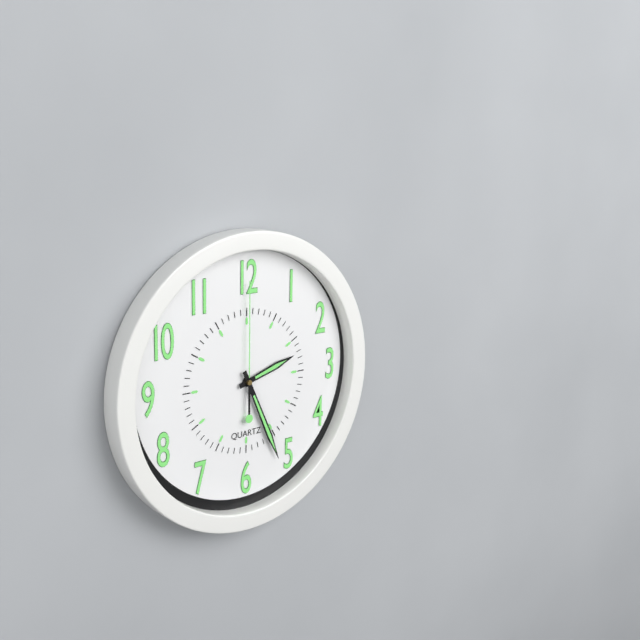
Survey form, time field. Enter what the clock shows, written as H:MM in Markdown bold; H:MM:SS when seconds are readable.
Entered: **2:26:00**
